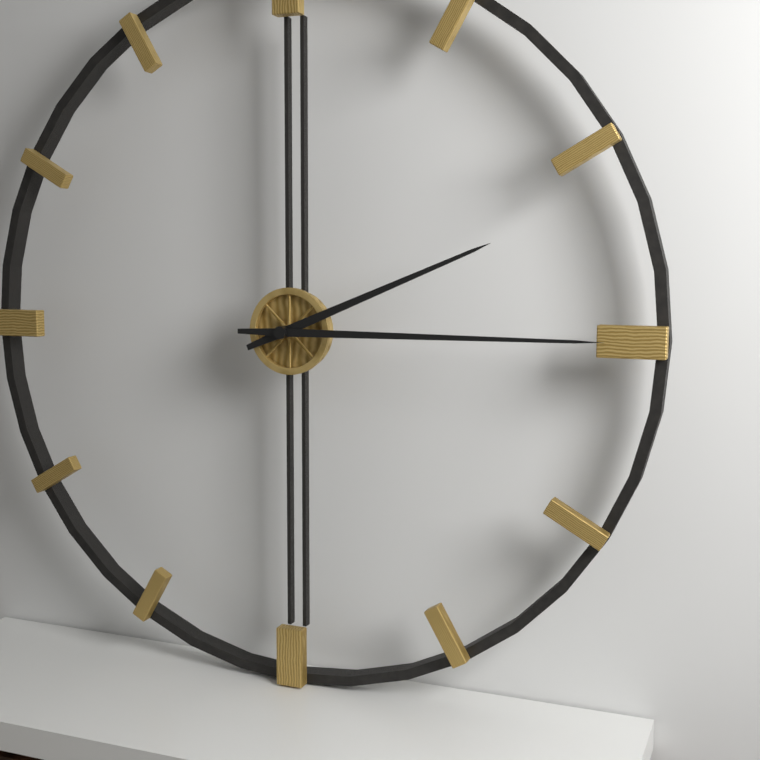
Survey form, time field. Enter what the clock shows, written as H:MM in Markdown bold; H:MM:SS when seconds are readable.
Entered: **2:15**
